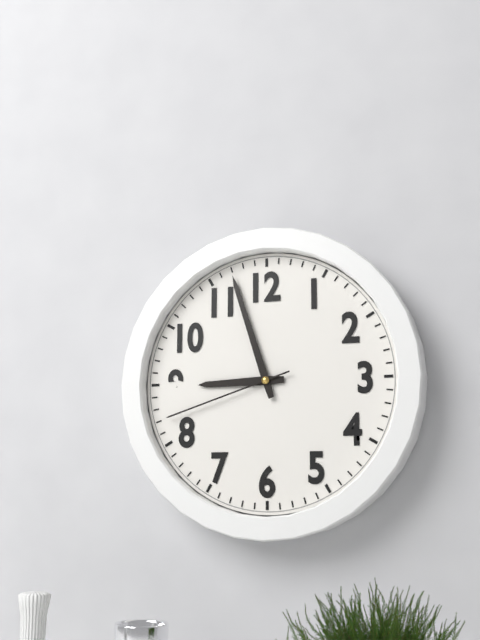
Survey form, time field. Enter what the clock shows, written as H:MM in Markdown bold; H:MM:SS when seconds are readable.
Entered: **8:57:42**
